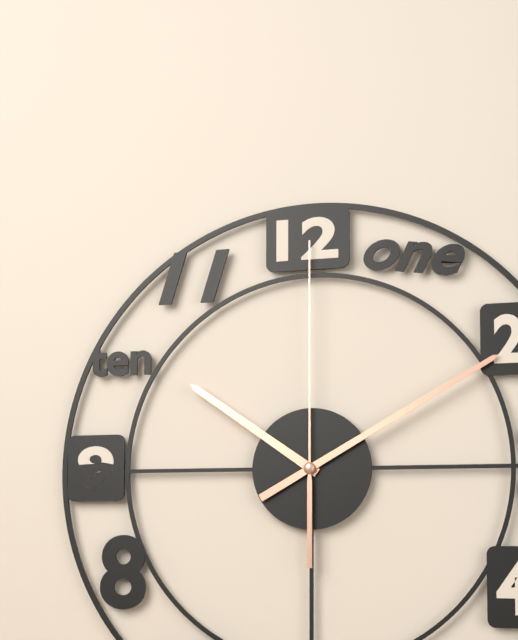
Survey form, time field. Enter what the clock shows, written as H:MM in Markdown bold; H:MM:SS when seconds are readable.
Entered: **10:10:00**
